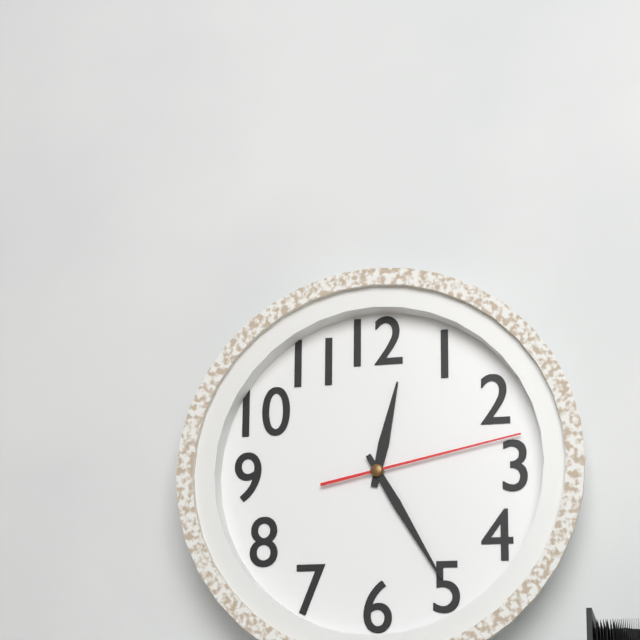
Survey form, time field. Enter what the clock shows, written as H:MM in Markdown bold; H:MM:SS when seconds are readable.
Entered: **12:25:13**
